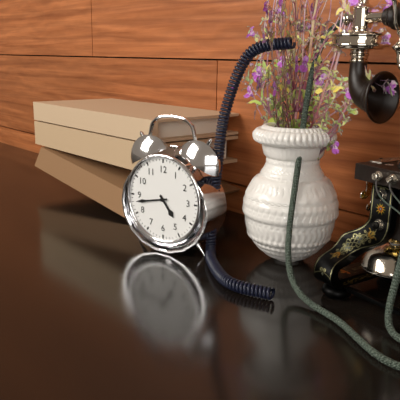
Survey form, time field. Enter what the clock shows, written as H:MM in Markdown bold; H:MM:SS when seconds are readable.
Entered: **4:43**
